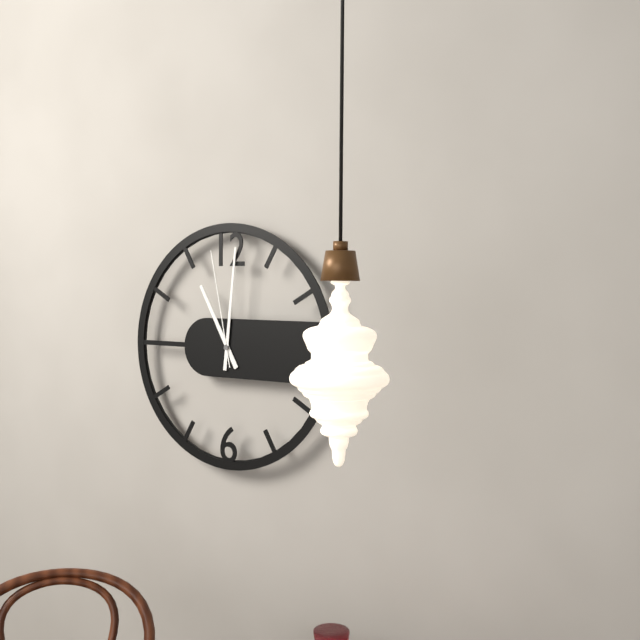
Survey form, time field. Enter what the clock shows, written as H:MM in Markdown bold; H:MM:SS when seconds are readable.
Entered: **11:01:58**
